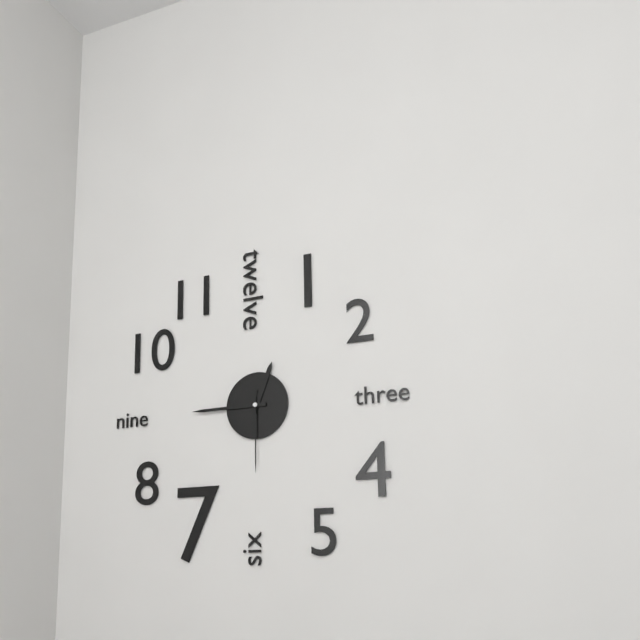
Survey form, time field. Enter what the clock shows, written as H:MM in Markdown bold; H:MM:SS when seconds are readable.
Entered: **12:45:30**
